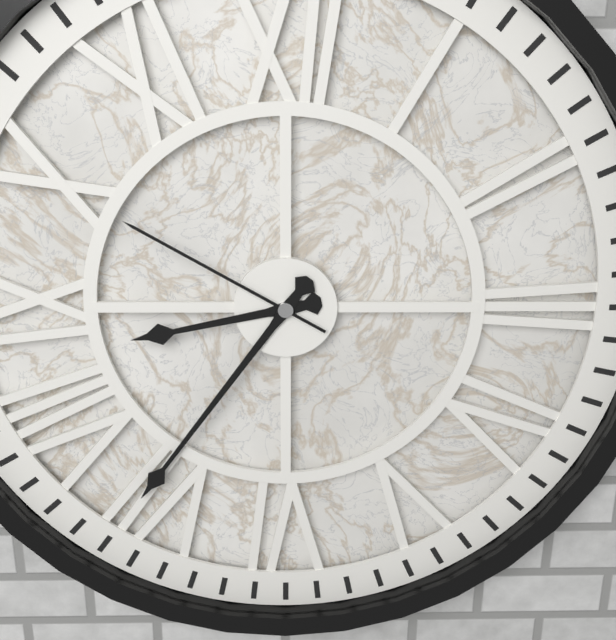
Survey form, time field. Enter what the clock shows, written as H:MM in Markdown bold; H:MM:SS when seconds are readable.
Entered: **8:36:50**
